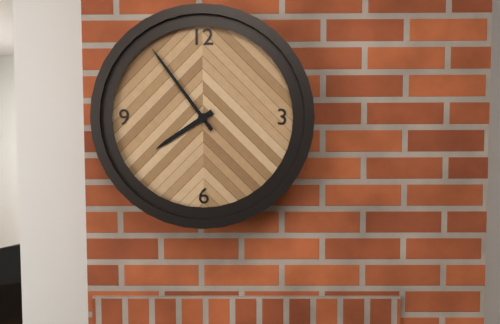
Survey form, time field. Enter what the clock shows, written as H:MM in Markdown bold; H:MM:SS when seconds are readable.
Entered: **7:54**
